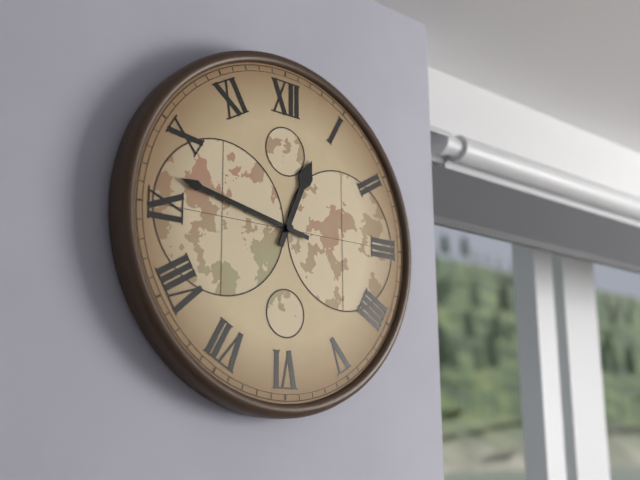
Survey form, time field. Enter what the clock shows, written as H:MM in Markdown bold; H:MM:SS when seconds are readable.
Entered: **12:47**
